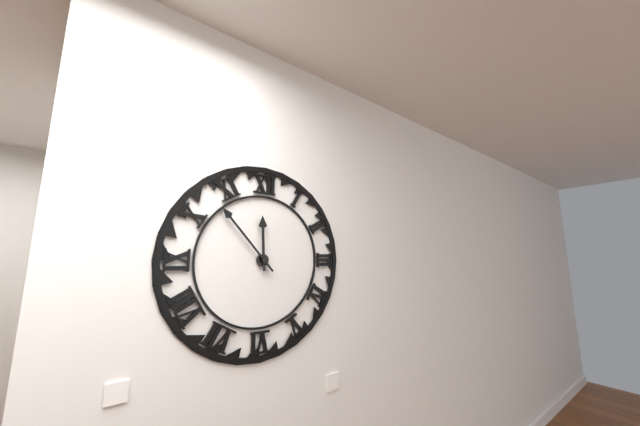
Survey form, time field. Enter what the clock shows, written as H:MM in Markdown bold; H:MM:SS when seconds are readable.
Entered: **11:53**
